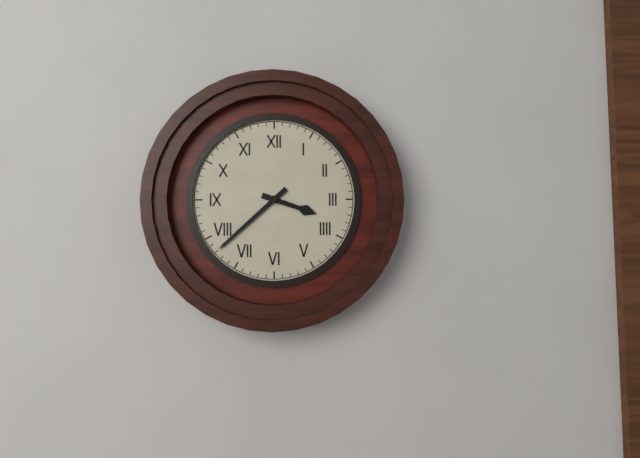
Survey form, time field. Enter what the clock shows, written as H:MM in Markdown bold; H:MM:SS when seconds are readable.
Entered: **3:38**
